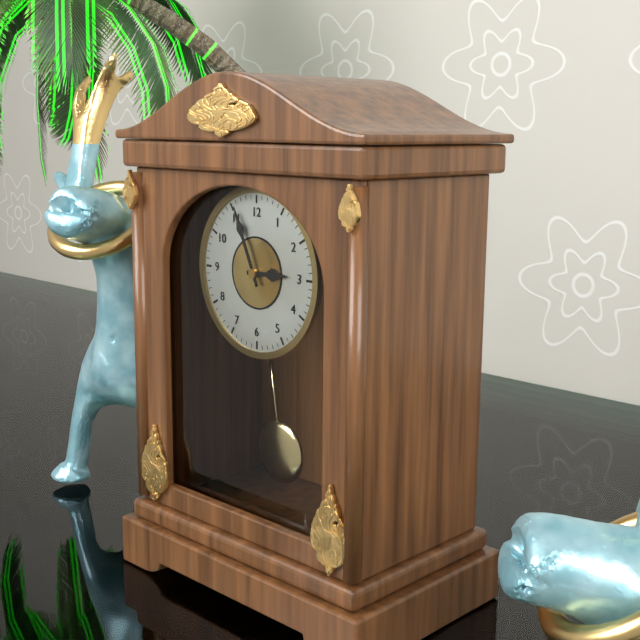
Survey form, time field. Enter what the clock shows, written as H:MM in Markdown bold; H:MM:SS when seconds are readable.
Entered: **2:56**
